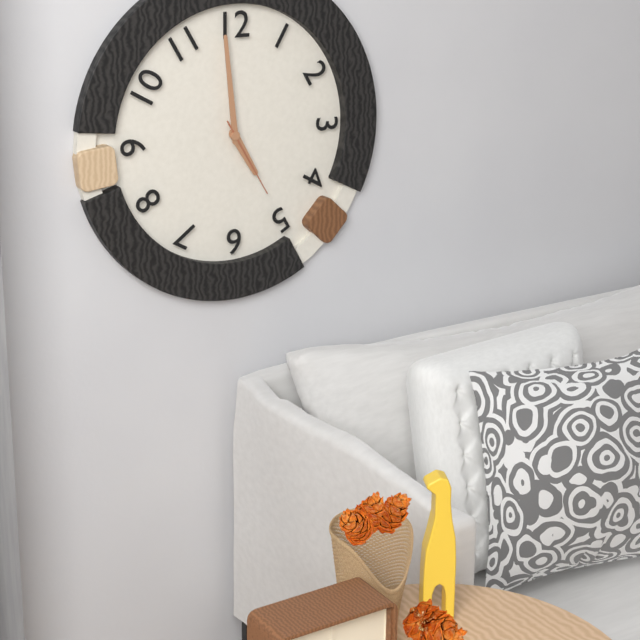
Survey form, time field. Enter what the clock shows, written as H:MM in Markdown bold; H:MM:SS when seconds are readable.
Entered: **4:59:25**
